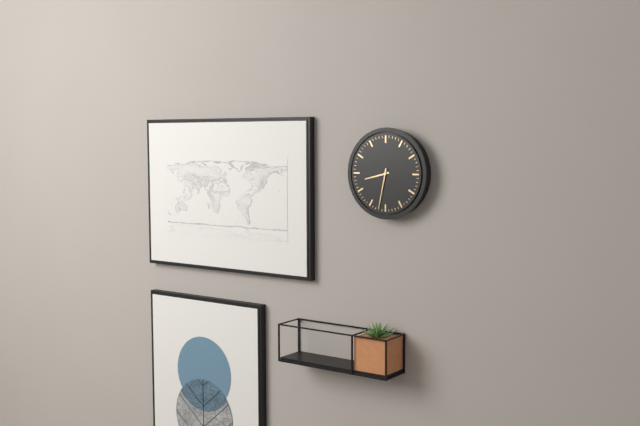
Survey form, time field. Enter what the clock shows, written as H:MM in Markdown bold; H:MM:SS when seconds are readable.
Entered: **8:32**
